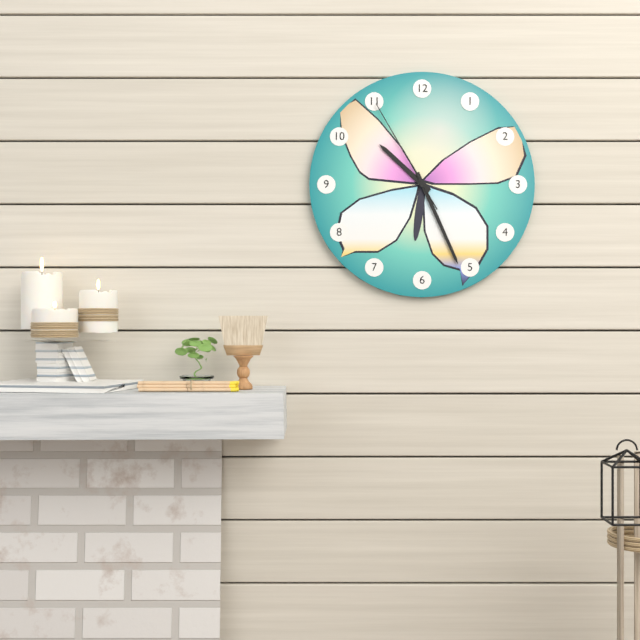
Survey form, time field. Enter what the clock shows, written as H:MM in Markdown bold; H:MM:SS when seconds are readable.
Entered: **10:26:55**
